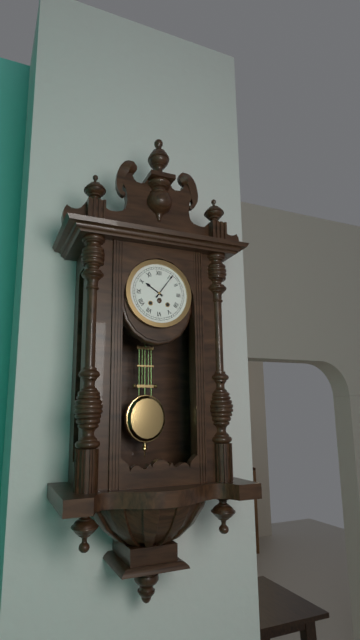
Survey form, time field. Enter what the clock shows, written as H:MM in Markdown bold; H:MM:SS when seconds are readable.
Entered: **10:06**
